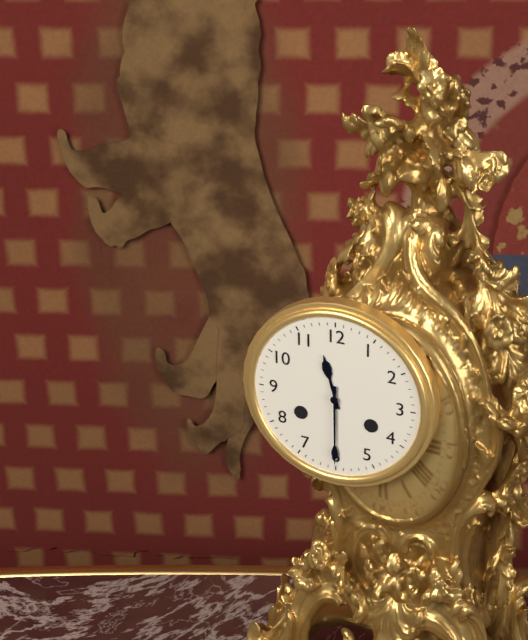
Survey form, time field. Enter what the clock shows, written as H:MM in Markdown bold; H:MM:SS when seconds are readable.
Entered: **11:30**
